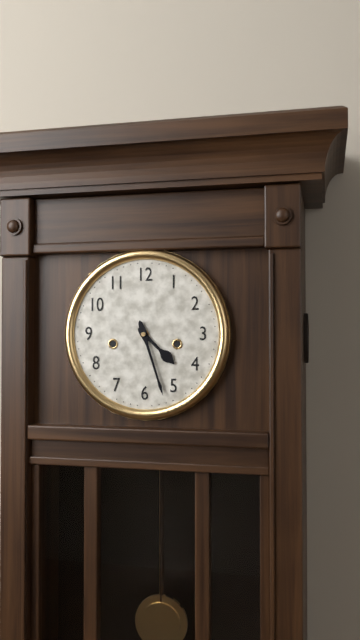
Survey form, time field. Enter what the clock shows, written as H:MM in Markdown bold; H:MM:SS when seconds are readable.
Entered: **4:27**
